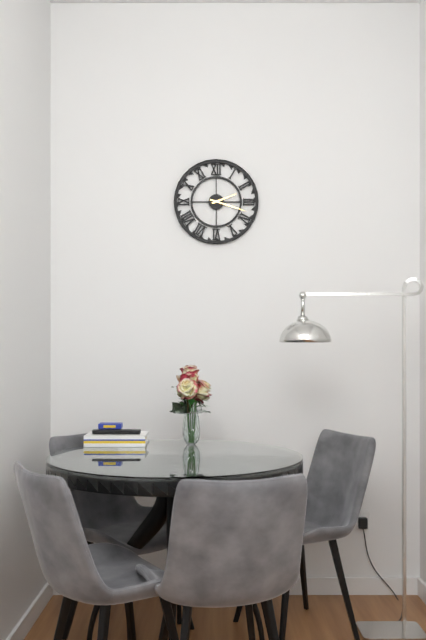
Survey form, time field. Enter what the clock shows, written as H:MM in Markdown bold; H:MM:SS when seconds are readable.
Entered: **2:18**
